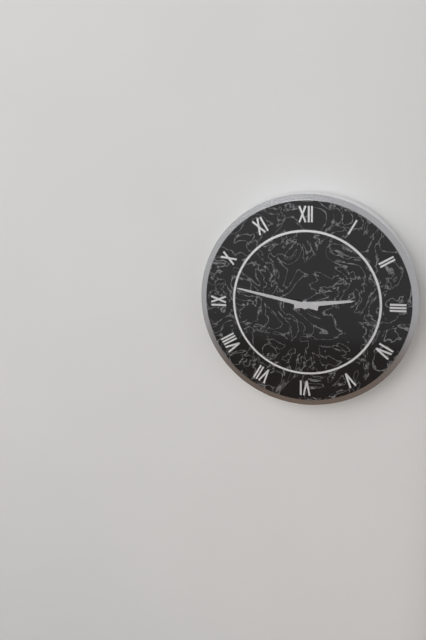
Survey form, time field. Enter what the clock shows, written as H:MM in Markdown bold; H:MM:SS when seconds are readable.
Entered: **2:47**
